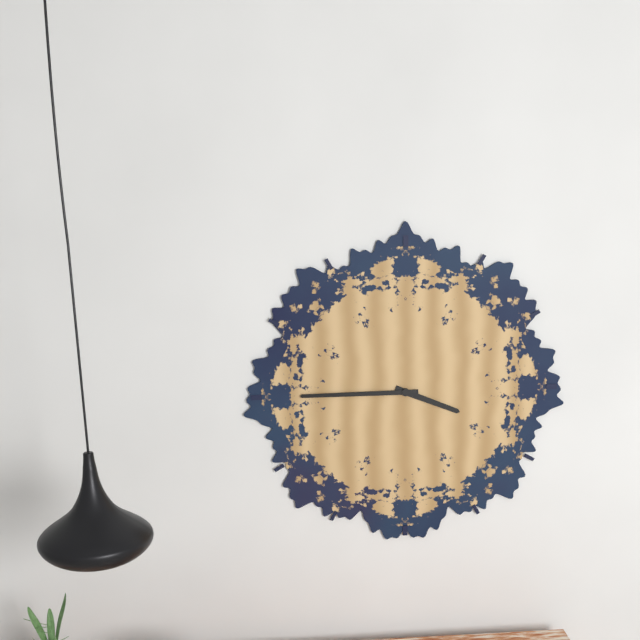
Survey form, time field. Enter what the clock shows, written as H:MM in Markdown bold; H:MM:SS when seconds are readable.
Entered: **3:45**
